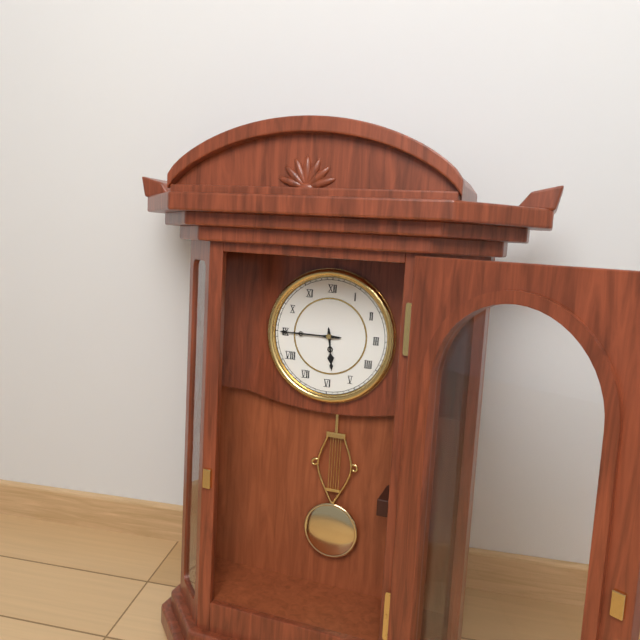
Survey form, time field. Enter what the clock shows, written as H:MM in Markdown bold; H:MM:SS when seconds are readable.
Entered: **5:45**
